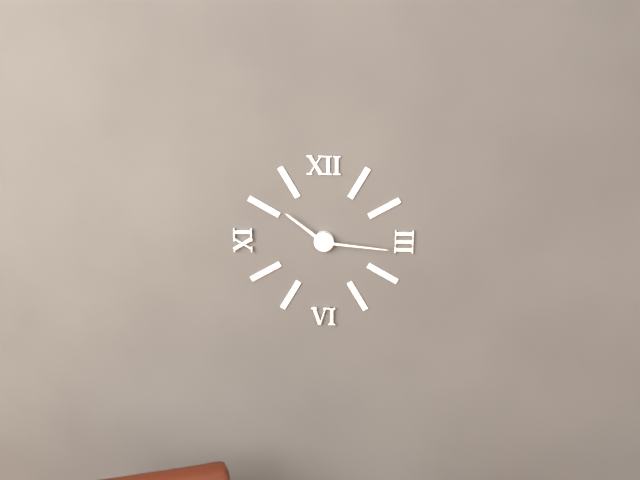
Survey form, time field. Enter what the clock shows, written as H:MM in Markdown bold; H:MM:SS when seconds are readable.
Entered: **10:16**
